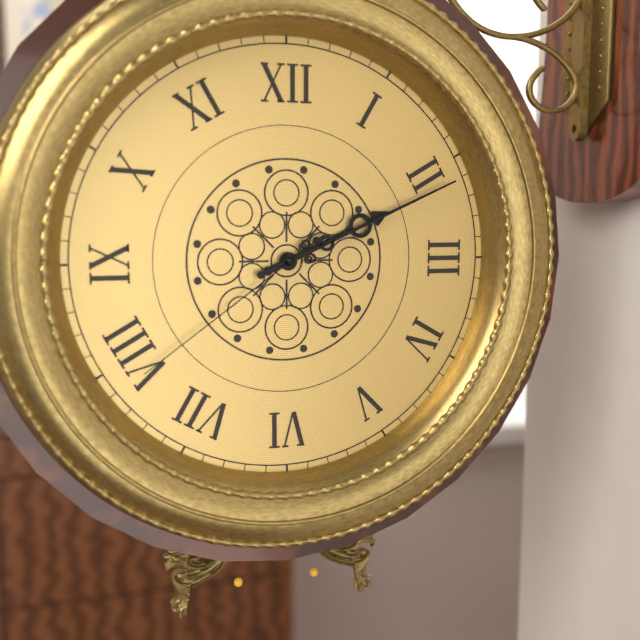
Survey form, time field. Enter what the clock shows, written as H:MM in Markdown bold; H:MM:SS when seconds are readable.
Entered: **2:11:39**
